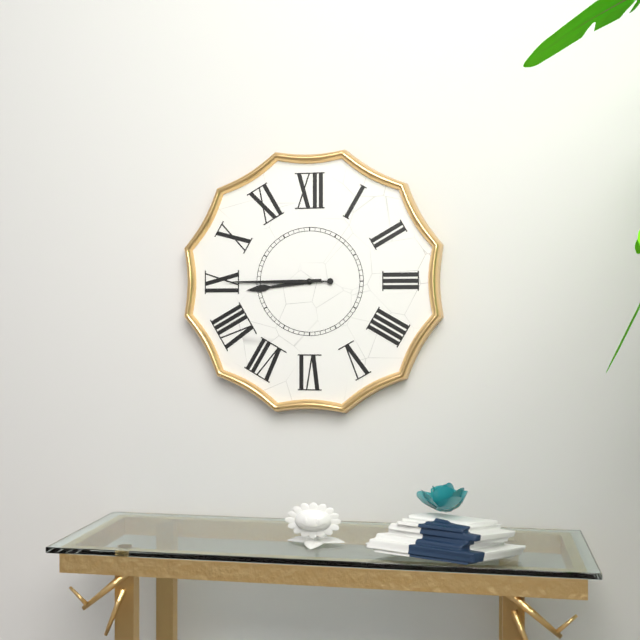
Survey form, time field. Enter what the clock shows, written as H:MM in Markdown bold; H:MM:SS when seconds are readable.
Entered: **8:45**
